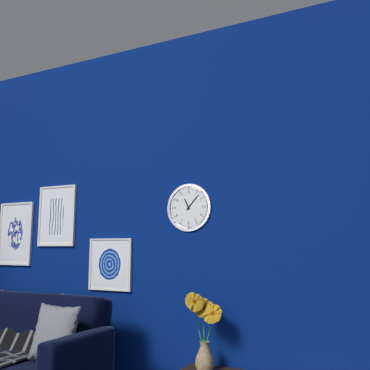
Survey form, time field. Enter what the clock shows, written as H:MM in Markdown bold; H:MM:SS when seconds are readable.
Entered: **11:07**
